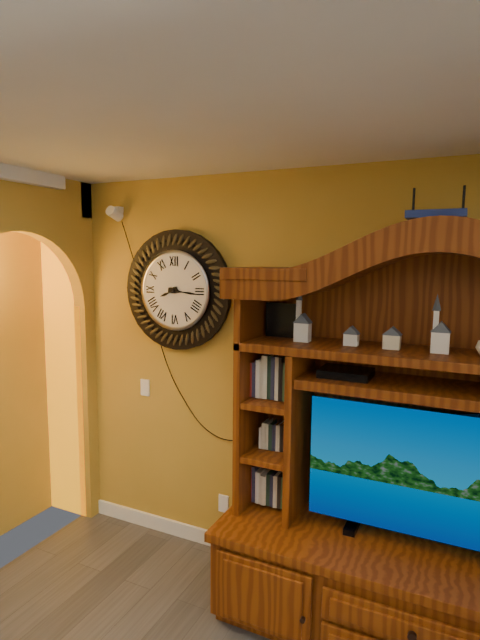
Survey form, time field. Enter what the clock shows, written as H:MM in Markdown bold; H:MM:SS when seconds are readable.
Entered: **8:16**
